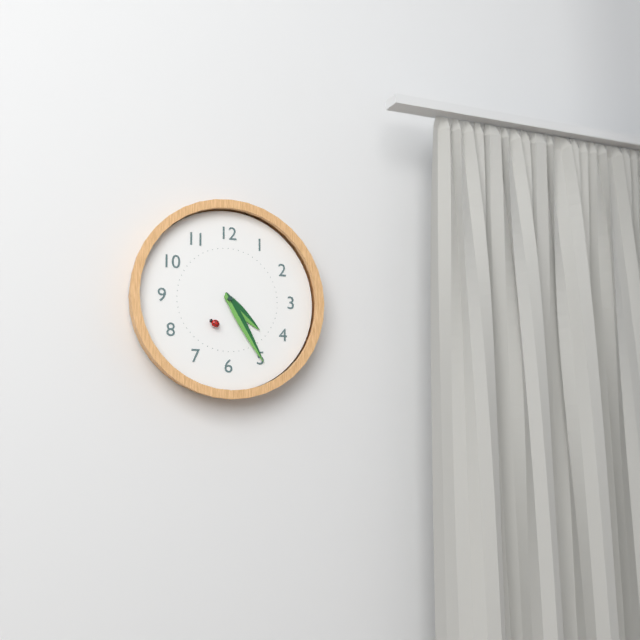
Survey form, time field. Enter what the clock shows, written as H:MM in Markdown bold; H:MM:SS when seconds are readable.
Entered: **4:25**
